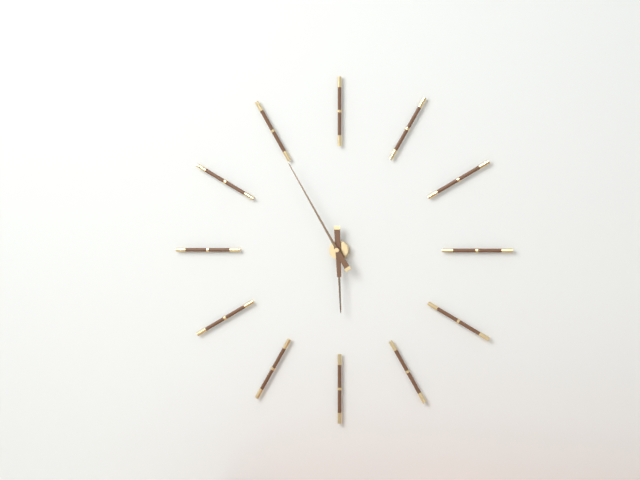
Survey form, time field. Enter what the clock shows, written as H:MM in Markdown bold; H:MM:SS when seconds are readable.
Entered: **5:55**
